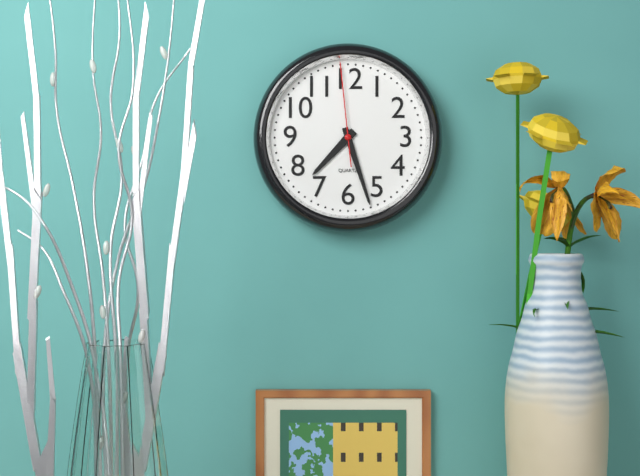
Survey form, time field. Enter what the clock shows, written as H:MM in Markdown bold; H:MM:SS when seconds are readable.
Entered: **7:27:59**
